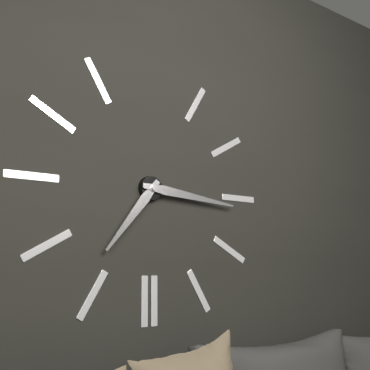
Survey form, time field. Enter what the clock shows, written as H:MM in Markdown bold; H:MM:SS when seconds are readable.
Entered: **7:16**
